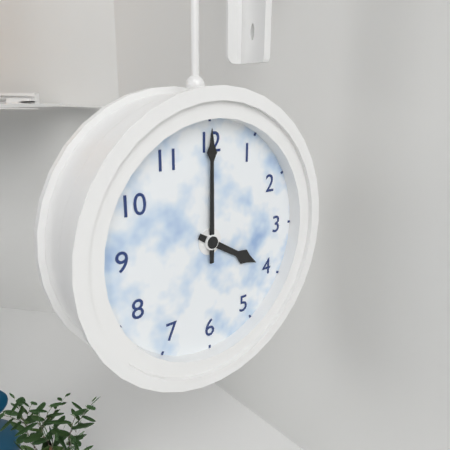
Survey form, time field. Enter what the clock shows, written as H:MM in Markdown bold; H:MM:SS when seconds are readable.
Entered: **4:00**
